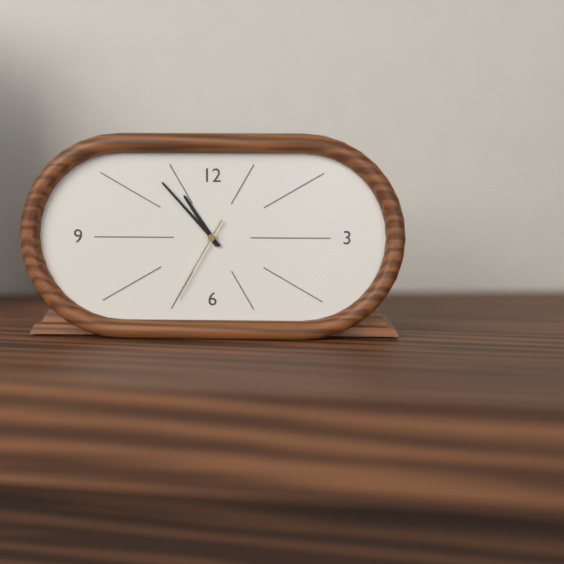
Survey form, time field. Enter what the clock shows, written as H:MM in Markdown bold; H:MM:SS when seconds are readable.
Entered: **10:53:35**
